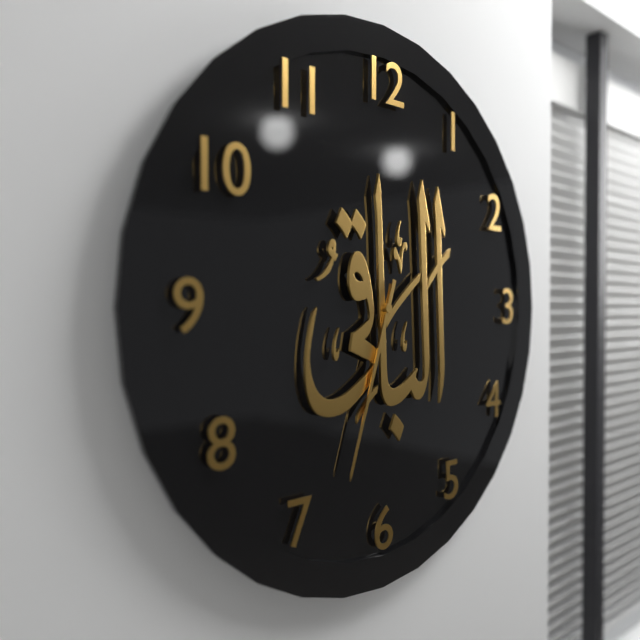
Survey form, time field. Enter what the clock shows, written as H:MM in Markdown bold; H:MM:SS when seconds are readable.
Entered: **6:33**
